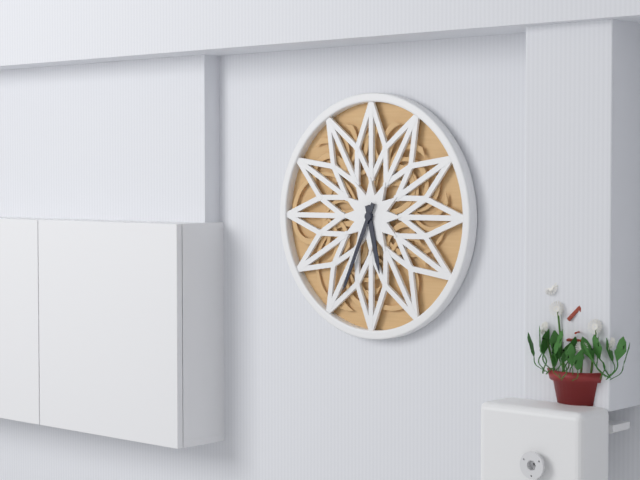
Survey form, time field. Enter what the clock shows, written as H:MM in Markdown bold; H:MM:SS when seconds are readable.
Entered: **5:34**
